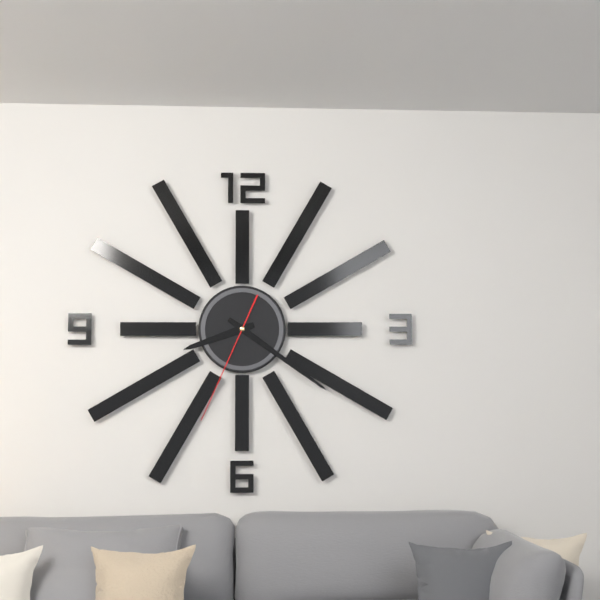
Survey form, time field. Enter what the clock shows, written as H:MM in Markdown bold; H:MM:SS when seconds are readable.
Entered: **8:21:34**
